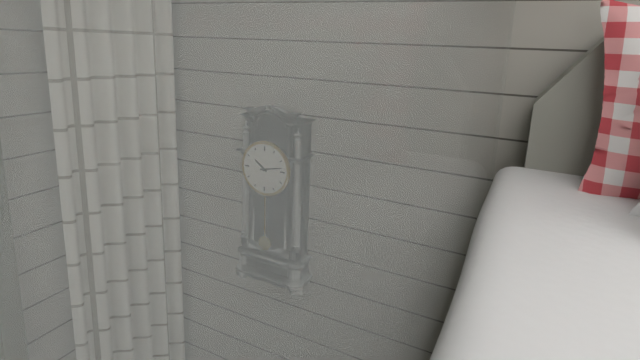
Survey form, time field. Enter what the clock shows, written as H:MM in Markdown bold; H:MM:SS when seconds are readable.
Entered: **10:13**
